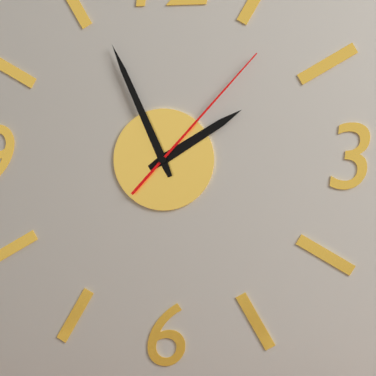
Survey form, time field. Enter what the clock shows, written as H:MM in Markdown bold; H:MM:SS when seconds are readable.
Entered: **1:56:07**
